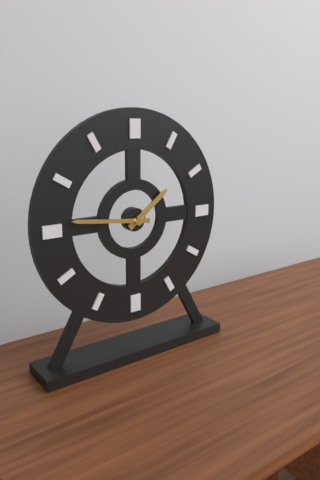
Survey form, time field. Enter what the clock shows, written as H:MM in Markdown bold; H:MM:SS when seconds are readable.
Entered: **1:46**
